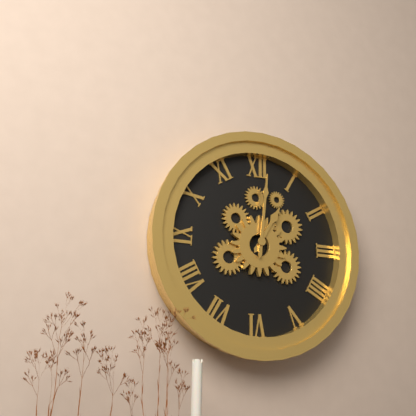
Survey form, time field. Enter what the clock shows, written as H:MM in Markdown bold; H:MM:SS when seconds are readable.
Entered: **1:01**
